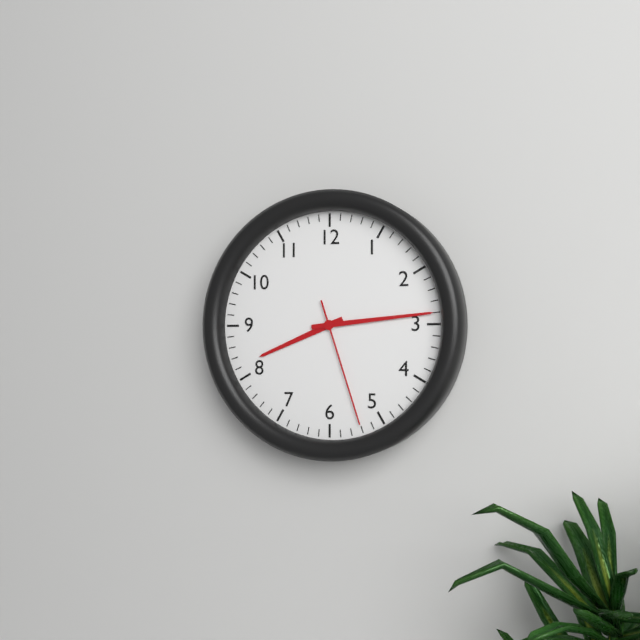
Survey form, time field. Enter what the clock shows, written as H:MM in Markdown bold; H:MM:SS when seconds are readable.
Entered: **8:14:27**
